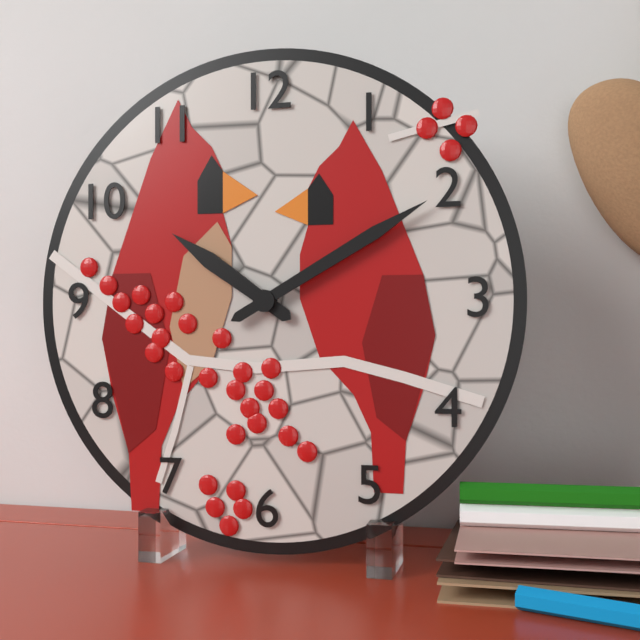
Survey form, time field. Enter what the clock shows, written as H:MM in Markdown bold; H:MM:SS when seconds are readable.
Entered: **10:10**
